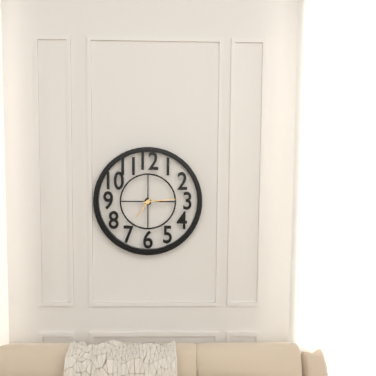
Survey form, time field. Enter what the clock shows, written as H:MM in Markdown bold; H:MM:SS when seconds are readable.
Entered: **7:14**
